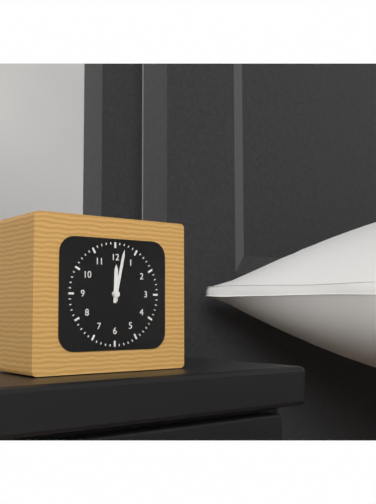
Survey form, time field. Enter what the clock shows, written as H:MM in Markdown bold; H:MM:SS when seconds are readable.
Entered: **12:02**
